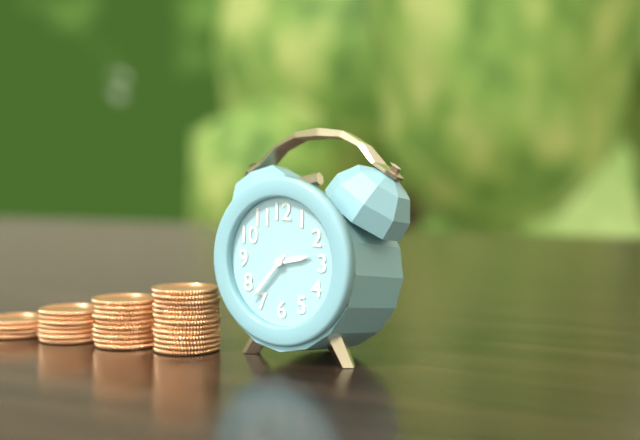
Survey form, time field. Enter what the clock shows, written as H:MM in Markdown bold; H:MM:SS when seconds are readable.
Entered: **2:37**
